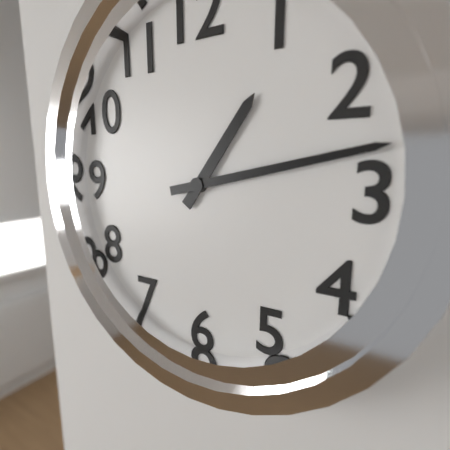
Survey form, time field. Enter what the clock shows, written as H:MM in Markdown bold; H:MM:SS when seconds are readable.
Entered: **1:13**
